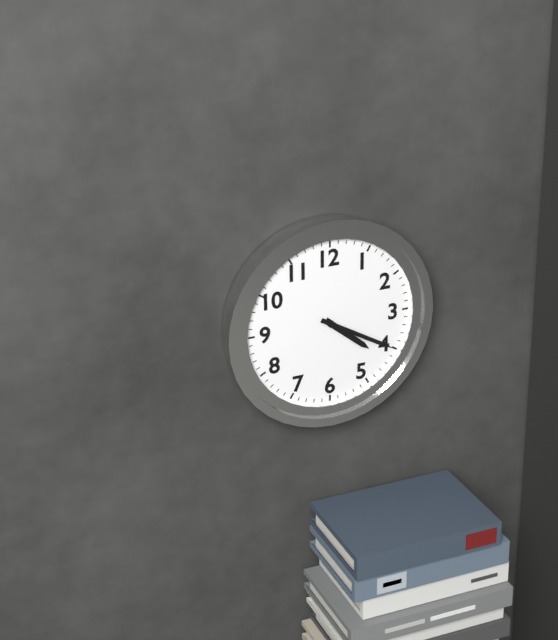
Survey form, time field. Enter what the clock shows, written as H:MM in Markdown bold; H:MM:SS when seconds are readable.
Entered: **4:20**
